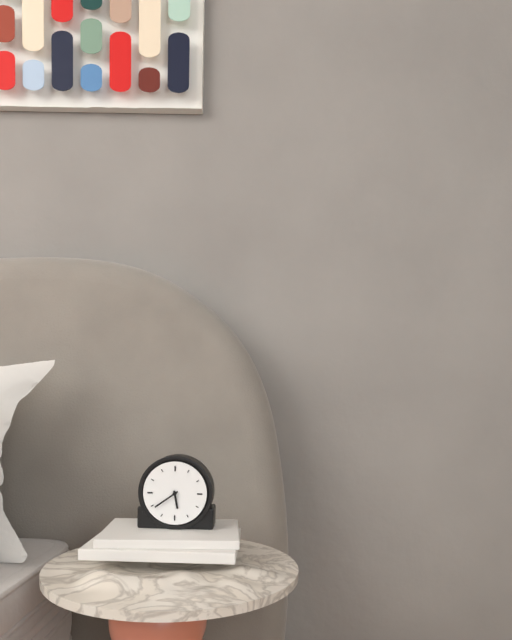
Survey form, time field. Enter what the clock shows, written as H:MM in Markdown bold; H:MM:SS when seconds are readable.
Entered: **5:39**
